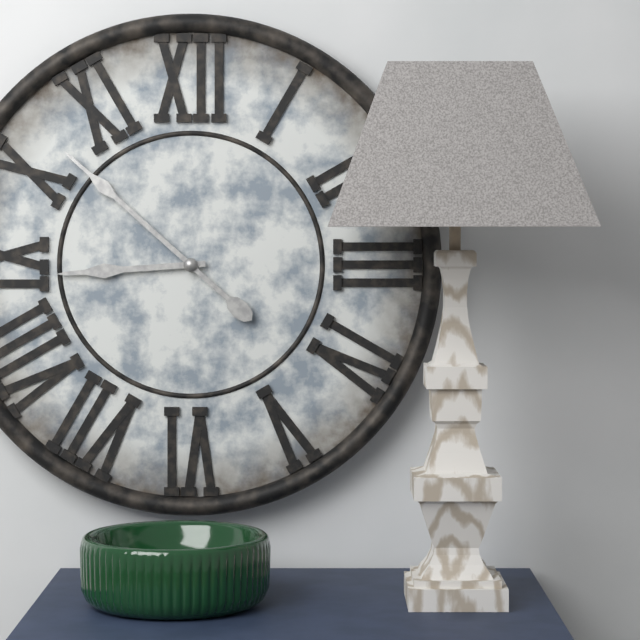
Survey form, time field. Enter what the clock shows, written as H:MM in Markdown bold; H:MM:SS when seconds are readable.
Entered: **8:52**
